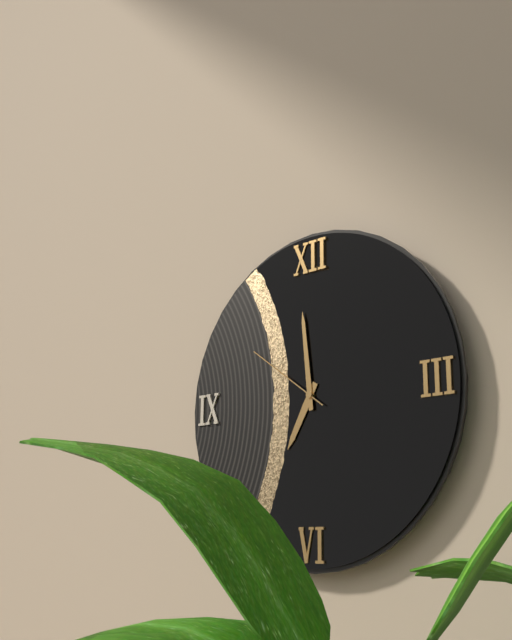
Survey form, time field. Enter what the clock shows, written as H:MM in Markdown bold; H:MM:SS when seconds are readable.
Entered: **6:59:51**
